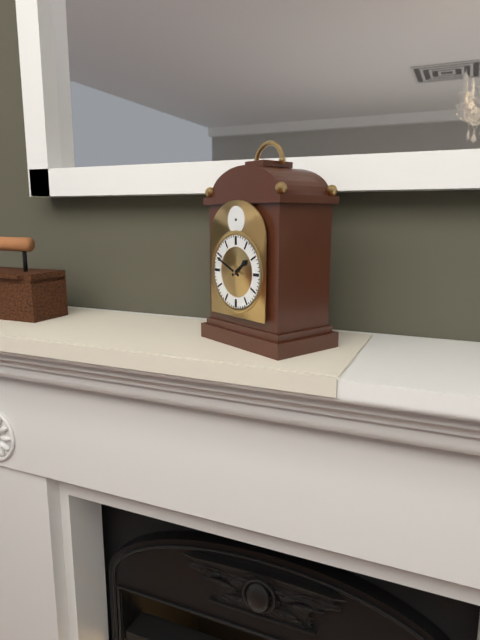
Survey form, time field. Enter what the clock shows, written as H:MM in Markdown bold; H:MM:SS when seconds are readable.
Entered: **1:49**
